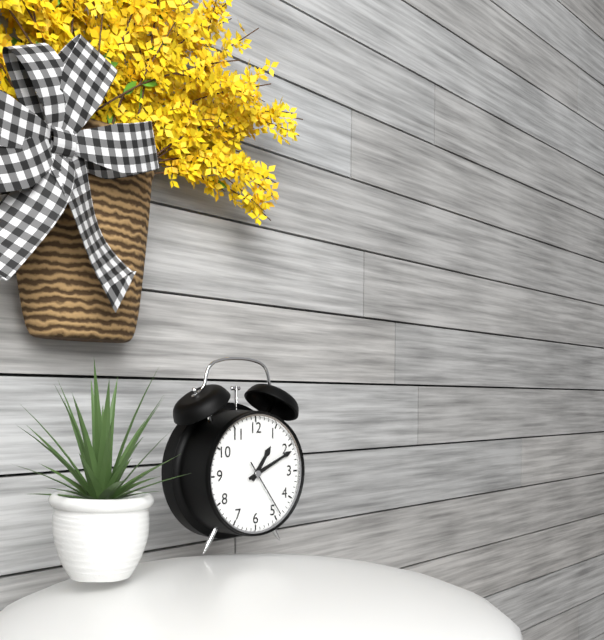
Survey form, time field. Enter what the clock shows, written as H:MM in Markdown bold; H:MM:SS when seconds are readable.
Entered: **1:11:24**
